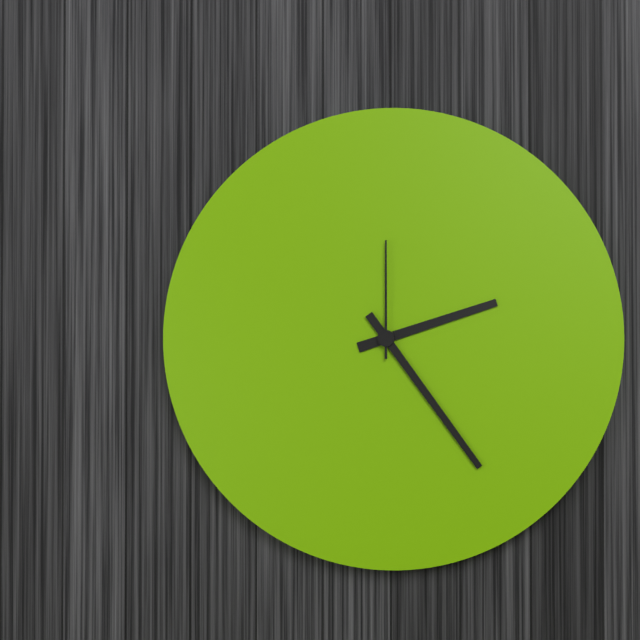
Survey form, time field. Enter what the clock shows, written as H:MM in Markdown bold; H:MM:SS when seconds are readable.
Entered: **2:24:00**
